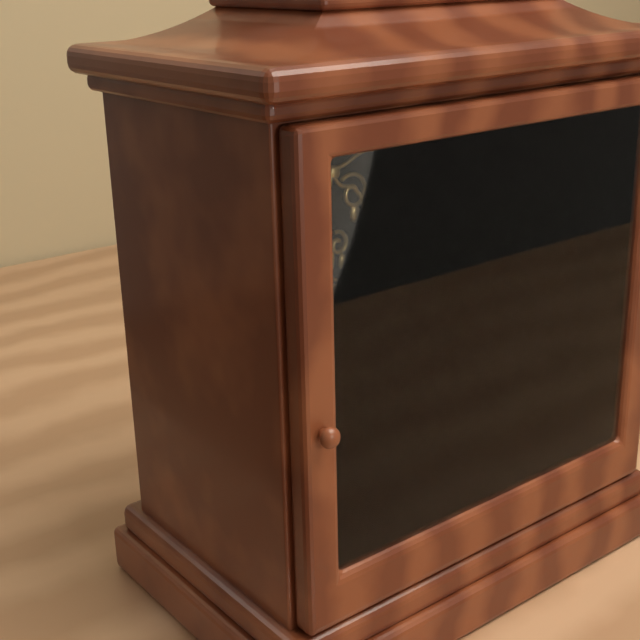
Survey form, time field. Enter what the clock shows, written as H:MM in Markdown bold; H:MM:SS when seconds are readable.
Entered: **7:53**
